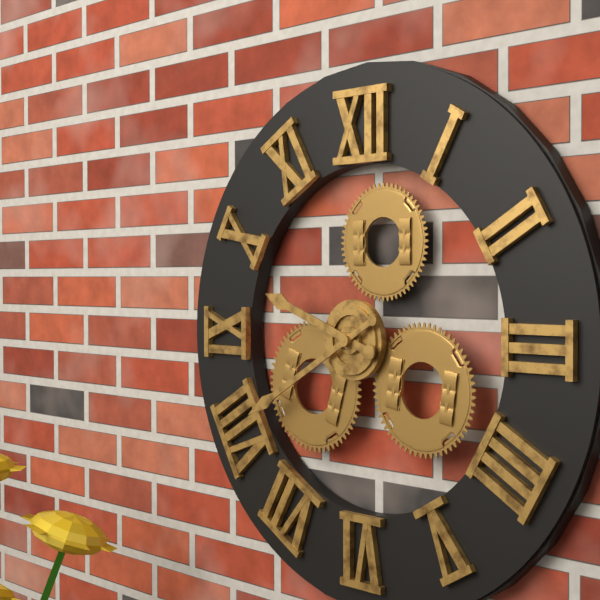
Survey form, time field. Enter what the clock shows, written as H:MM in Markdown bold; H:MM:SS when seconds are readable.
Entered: **9:40**
